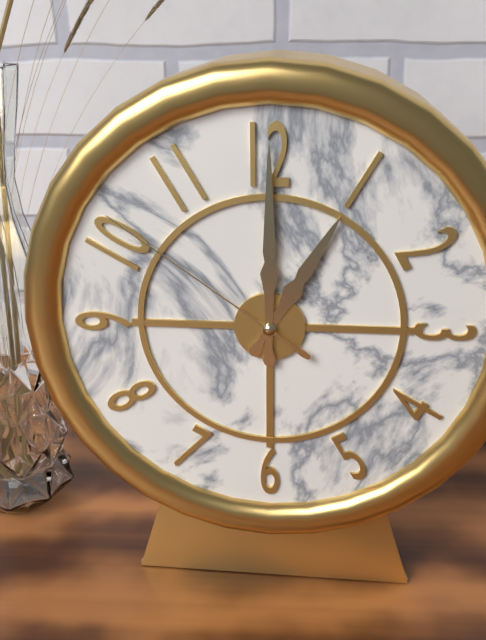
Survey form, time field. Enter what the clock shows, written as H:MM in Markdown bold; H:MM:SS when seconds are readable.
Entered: **1:00:51**
